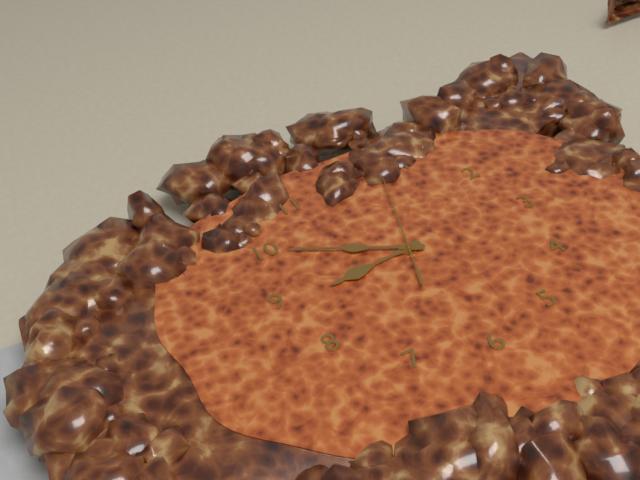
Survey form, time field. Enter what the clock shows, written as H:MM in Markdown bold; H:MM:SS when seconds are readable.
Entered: **8:50:03**
